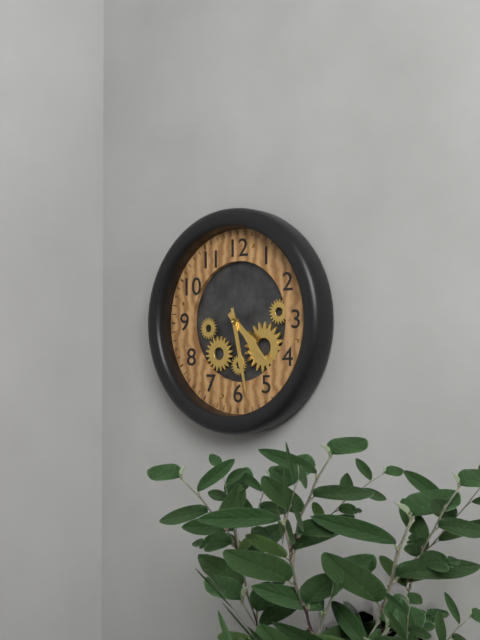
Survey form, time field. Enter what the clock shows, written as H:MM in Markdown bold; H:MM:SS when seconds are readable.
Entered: **4:28**
